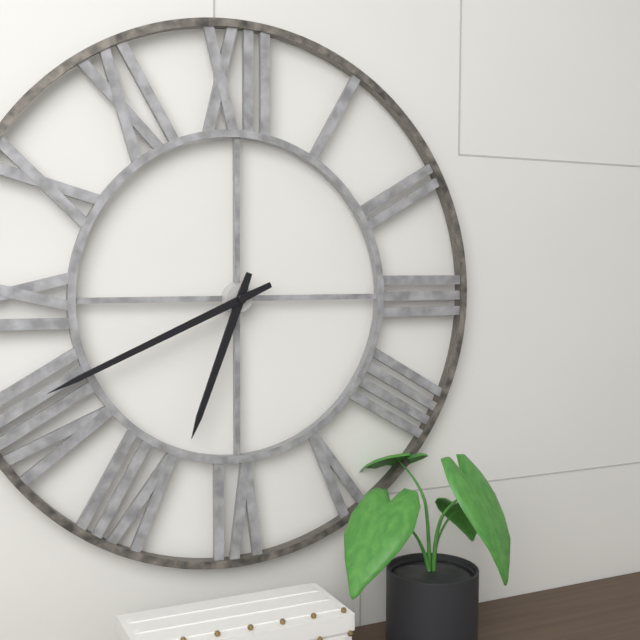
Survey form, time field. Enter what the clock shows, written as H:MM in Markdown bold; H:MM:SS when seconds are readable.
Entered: **6:41**
